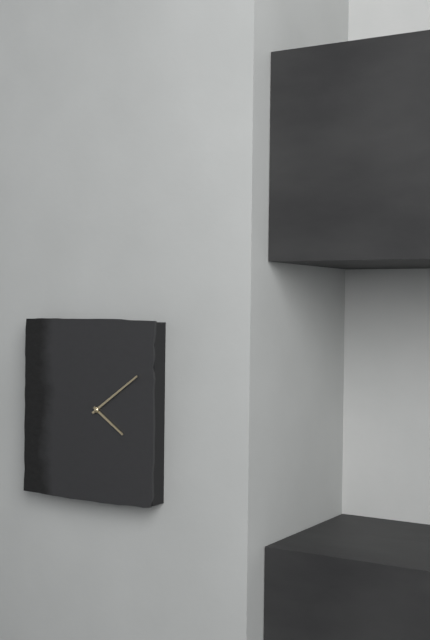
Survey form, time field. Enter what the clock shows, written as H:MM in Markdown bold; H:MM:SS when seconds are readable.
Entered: **4:09**
